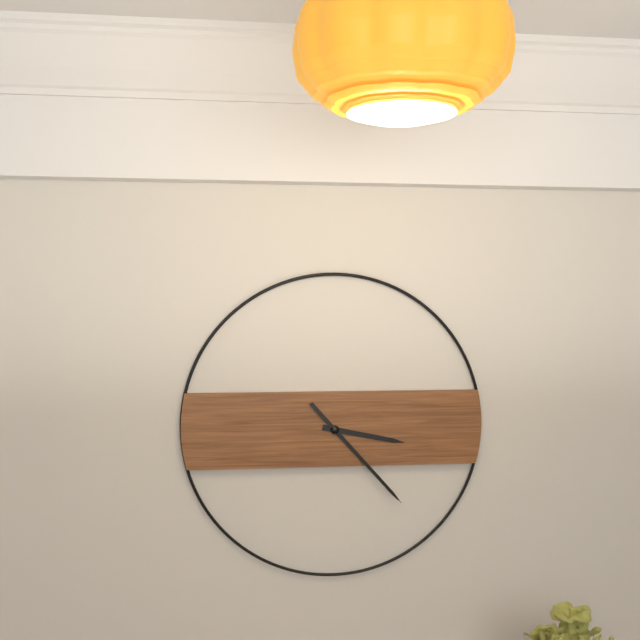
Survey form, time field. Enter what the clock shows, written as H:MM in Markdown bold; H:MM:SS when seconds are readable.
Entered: **3:23**
